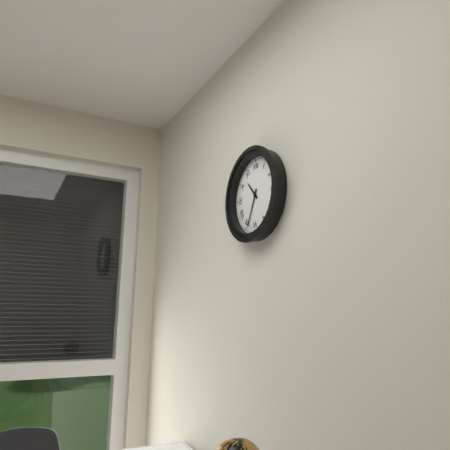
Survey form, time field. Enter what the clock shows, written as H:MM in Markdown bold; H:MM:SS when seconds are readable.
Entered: **10:34**
